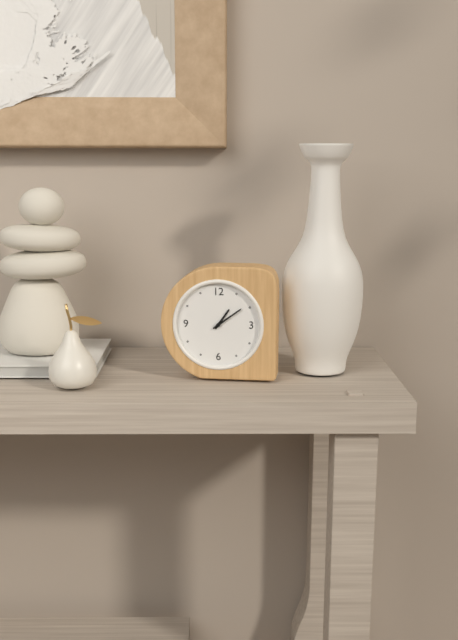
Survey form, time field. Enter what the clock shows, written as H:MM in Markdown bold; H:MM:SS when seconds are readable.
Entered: **1:09**
